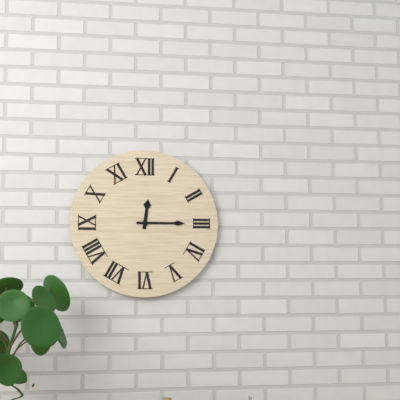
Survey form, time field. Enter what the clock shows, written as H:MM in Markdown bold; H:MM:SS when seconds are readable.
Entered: **12:15**
